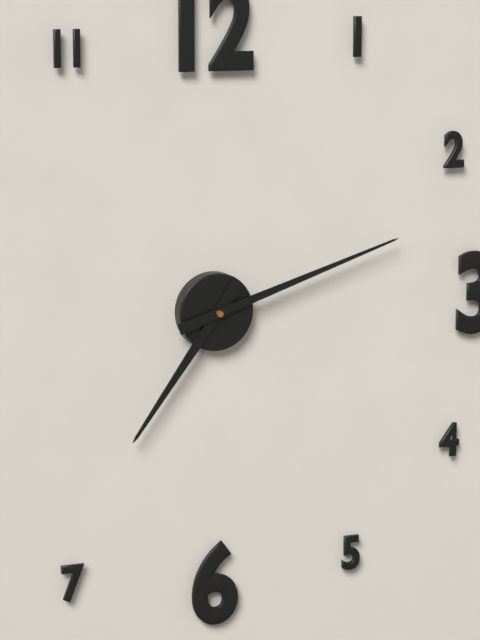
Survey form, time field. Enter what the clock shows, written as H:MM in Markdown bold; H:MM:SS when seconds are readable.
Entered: **7:12**
